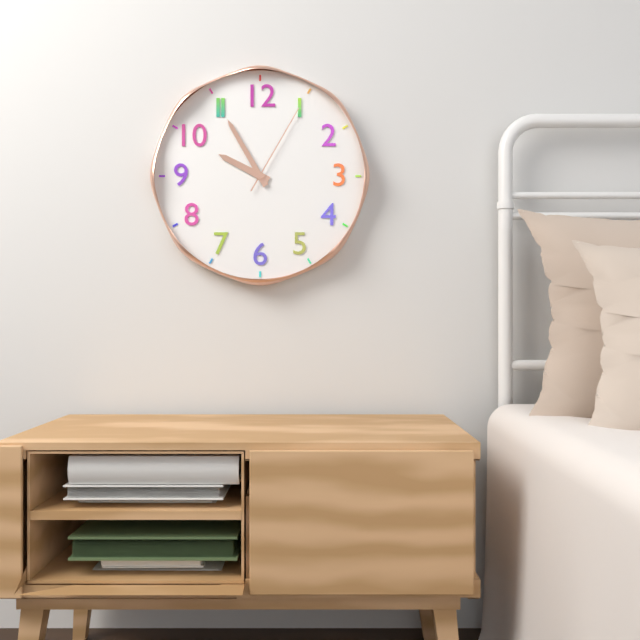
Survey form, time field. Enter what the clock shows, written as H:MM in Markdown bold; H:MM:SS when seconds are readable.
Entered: **9:55:05**
